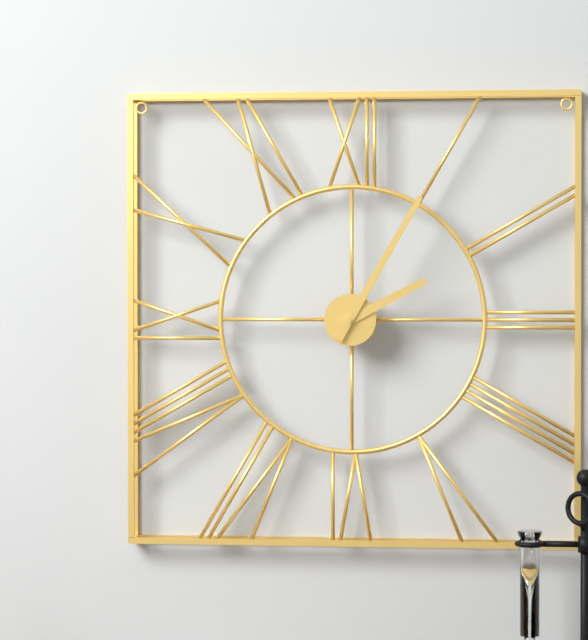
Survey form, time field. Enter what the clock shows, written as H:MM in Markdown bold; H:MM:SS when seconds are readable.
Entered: **2:05**
